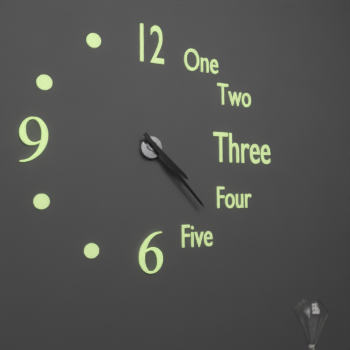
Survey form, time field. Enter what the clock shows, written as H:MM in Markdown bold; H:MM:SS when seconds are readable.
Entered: **4:23**
